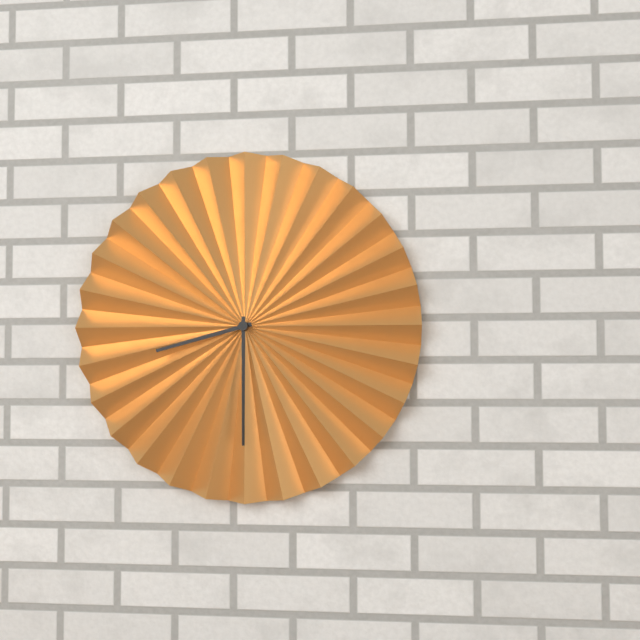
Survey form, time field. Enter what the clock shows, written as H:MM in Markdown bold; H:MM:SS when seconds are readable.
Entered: **8:30**
